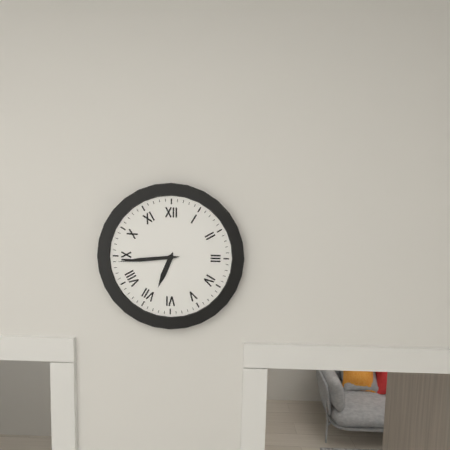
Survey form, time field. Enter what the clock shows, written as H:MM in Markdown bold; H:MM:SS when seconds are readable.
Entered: **6:44**
